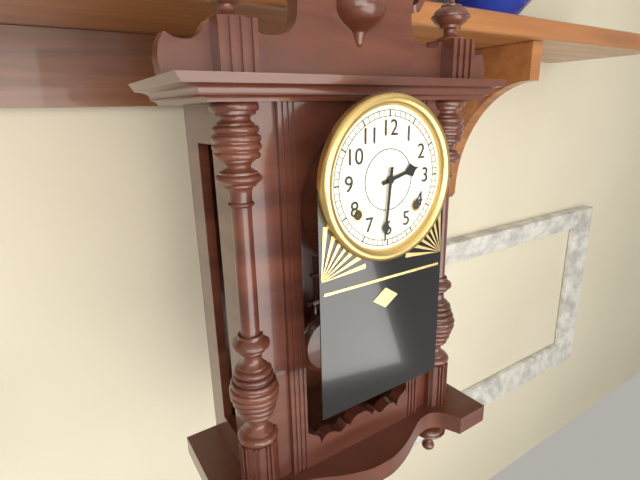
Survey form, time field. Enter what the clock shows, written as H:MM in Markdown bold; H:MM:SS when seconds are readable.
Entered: **2:31**
